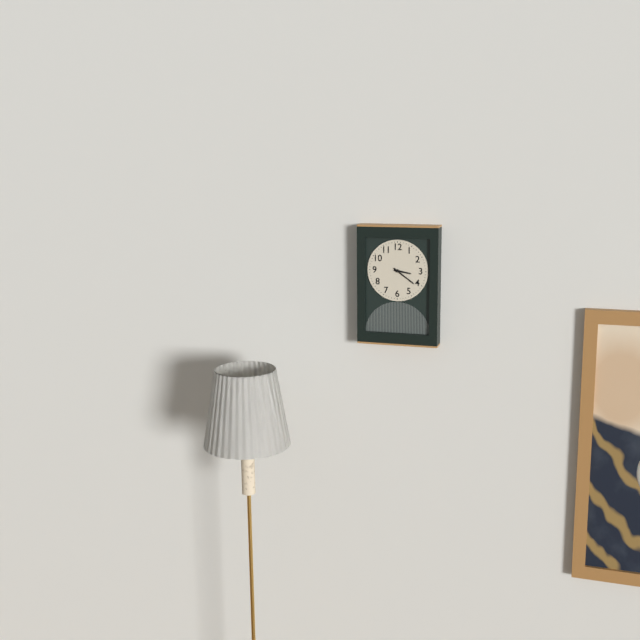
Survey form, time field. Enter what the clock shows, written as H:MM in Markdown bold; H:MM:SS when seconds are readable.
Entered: **3:21**
